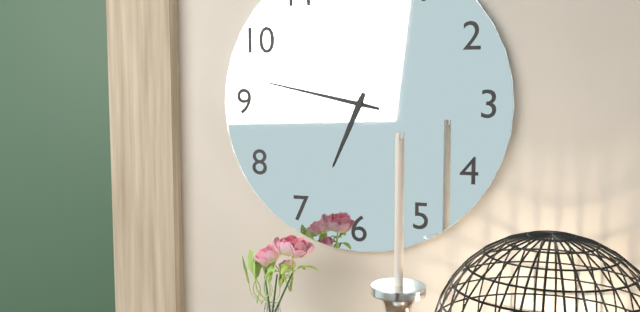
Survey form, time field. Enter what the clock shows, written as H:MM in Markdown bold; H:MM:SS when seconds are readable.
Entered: **6:47**
